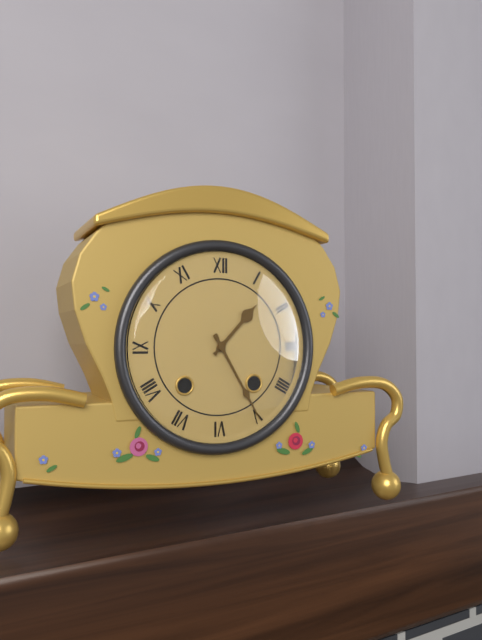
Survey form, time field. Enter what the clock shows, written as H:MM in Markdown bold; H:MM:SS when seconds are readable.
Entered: **1:25**
